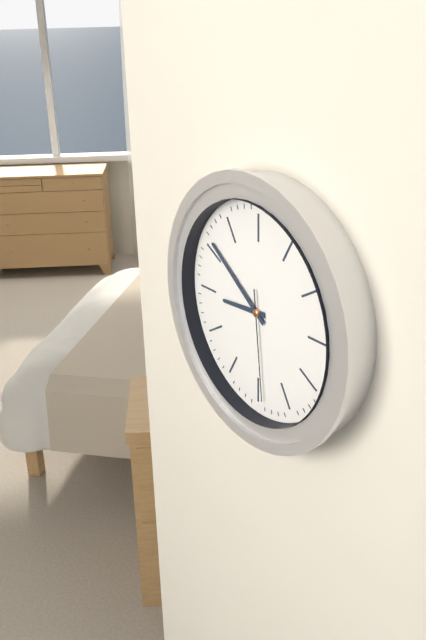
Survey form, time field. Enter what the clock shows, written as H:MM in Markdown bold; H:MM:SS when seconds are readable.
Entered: **8:51:29**
